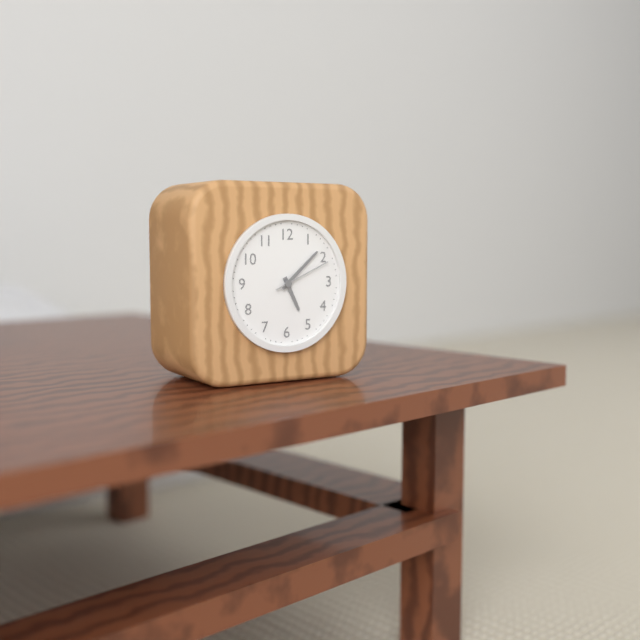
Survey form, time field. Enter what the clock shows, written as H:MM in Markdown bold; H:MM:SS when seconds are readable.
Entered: **5:08:11**
